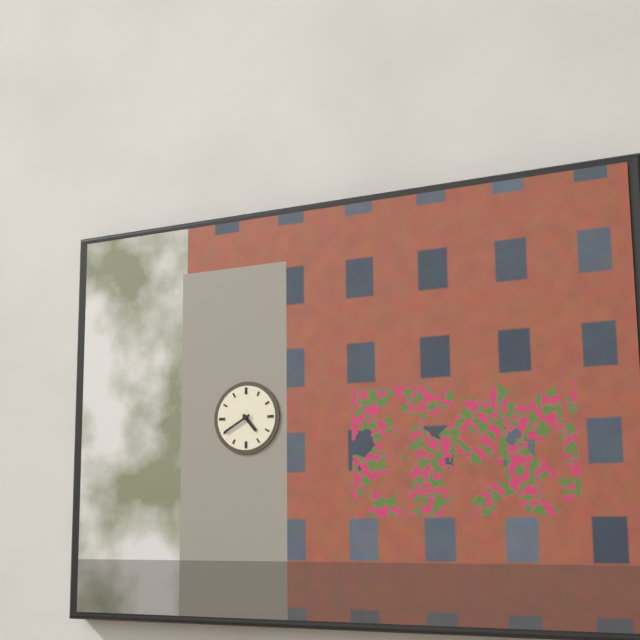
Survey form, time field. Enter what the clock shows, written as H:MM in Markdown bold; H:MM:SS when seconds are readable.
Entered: **4:40**
